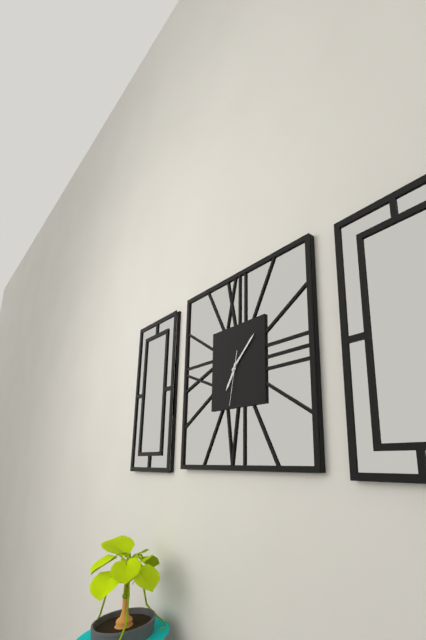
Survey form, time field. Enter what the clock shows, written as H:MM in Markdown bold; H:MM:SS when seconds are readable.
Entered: **7:08:32**
